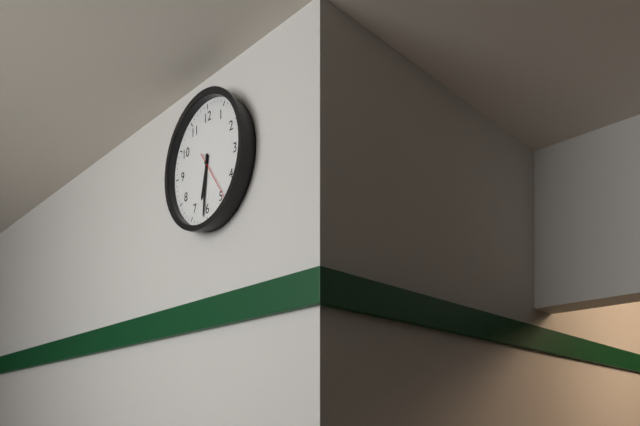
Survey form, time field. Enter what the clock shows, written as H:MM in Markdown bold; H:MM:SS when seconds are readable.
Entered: **6:31**
